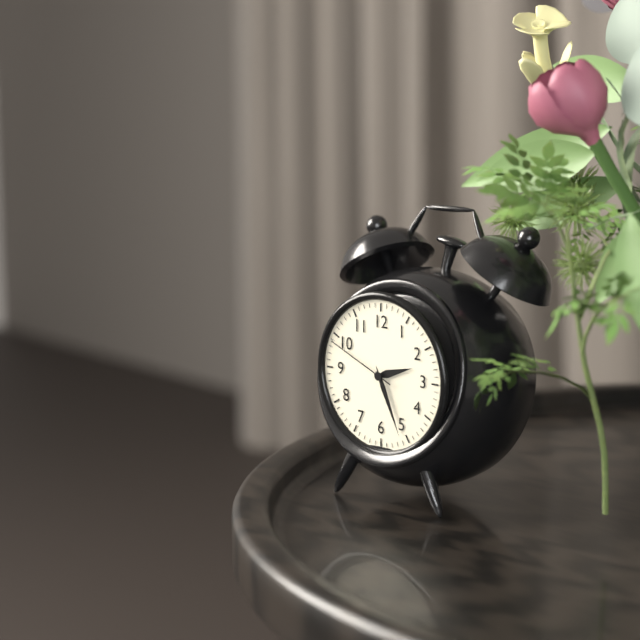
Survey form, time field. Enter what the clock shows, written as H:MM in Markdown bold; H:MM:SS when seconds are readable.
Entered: **2:26:49**
